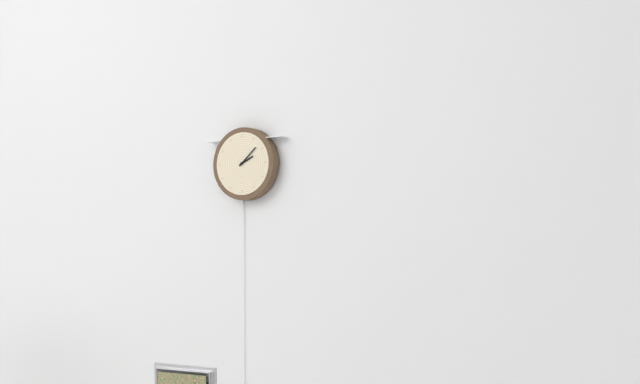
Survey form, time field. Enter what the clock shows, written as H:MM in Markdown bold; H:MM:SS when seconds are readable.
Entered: **2:08**
